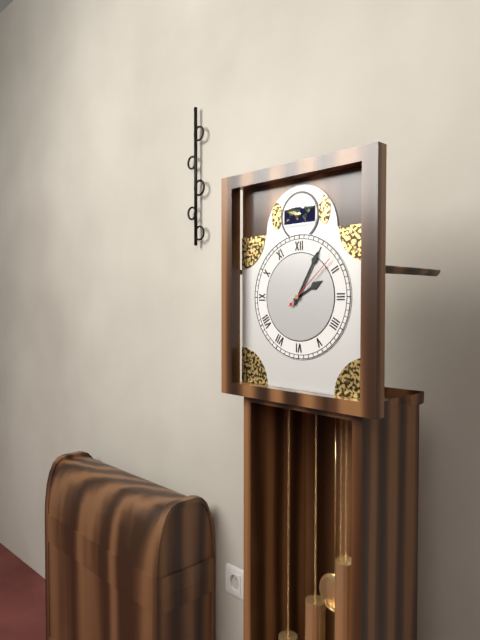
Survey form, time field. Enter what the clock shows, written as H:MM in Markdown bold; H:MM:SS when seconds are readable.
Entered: **2:05:08**
